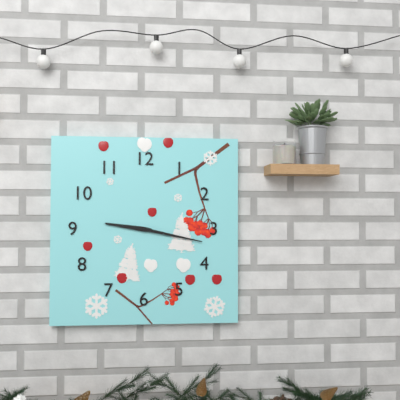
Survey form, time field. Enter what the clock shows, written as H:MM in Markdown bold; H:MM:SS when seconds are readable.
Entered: **9:17**
